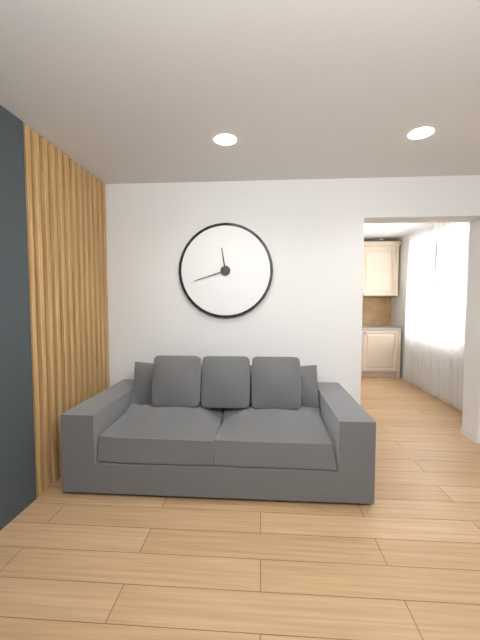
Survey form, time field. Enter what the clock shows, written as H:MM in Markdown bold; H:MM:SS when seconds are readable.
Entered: **11:42**
